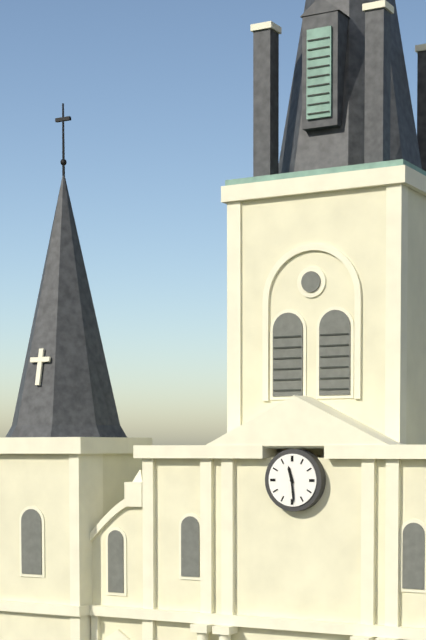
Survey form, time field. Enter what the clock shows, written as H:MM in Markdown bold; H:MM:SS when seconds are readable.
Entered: **11:29**
